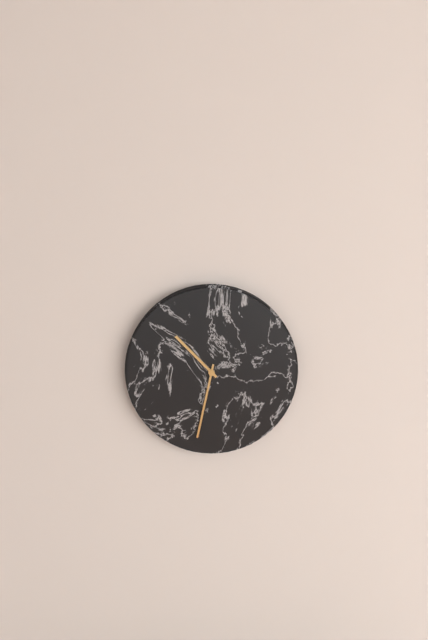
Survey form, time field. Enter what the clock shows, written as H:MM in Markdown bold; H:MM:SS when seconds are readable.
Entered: **10:32**
